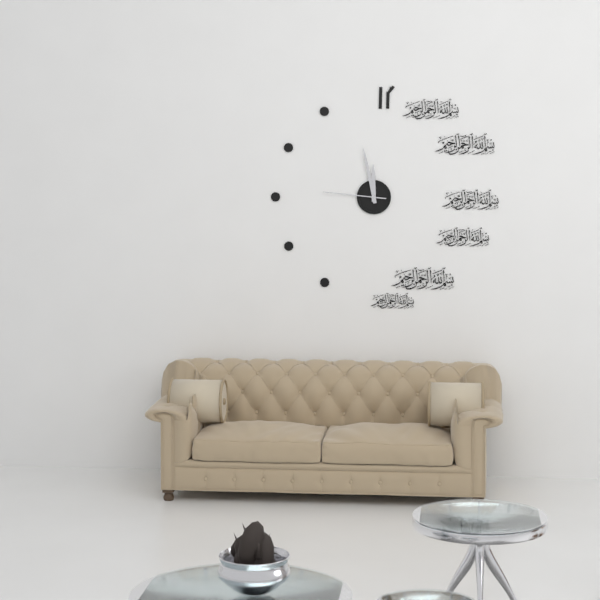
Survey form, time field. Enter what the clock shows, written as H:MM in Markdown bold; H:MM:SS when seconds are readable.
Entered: **11:58:46**
